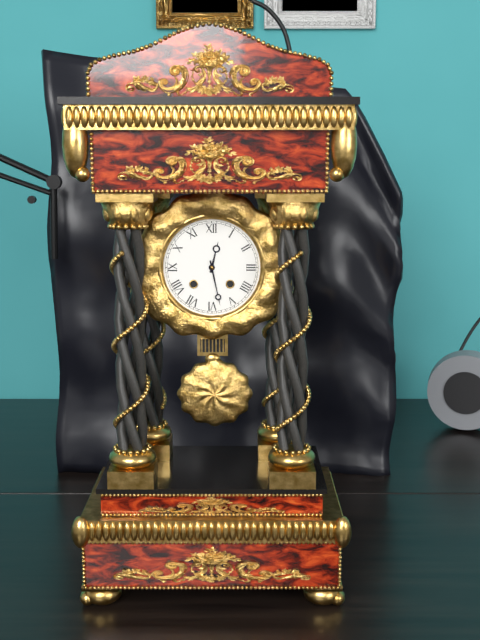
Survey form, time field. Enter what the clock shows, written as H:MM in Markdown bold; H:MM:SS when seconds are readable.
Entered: **12:28**
